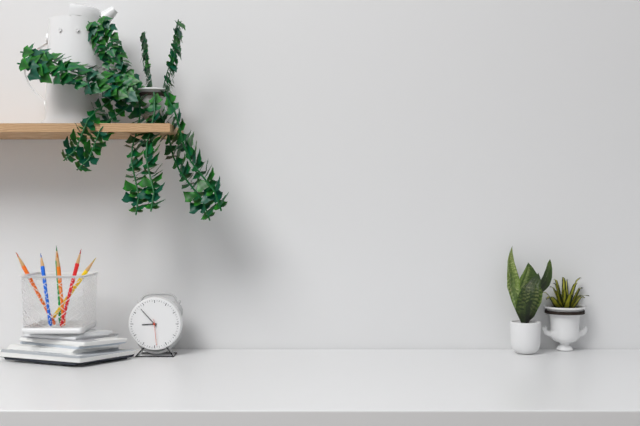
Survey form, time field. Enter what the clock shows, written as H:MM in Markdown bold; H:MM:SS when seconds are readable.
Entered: **8:53**
